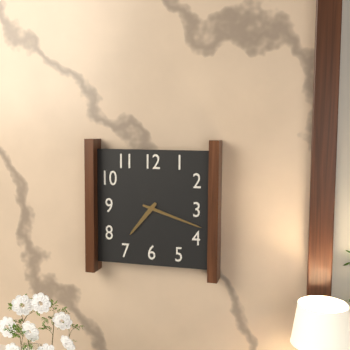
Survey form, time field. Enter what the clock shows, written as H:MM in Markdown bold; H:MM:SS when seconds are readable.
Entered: **7:18**
